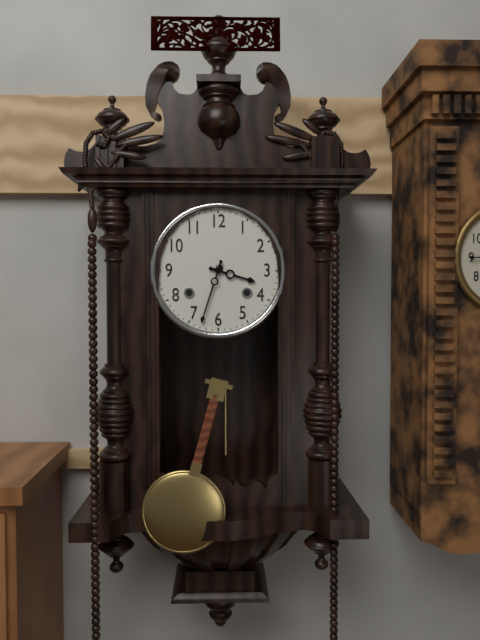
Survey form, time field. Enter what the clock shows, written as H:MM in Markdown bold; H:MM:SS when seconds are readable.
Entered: **3:33**
